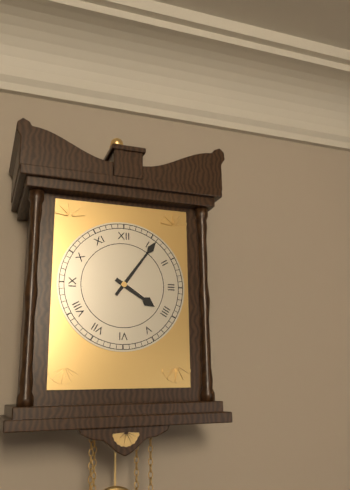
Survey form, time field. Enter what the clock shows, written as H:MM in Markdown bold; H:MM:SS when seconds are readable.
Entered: **4:06**
